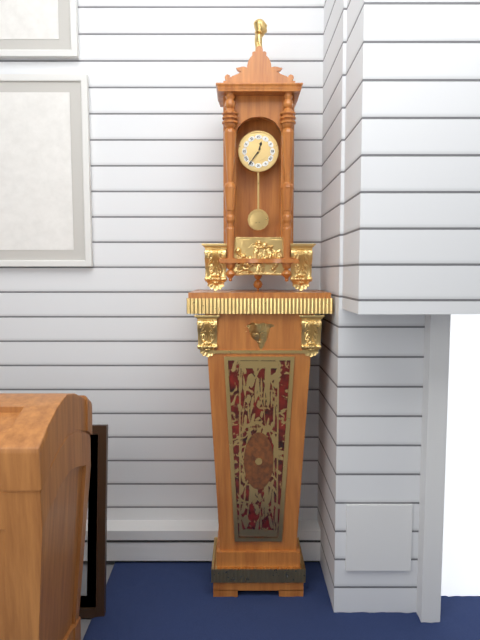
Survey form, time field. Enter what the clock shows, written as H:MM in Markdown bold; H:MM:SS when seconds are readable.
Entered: **12:36**
